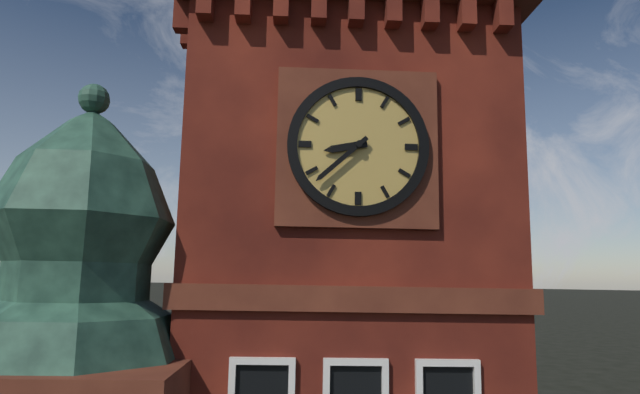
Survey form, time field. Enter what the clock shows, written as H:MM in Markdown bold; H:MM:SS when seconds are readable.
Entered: **8:38**
